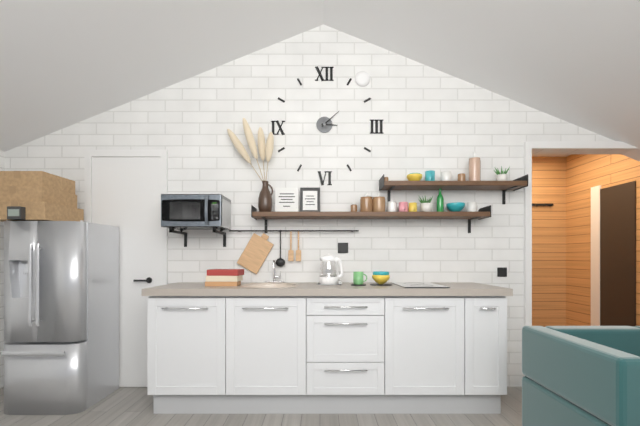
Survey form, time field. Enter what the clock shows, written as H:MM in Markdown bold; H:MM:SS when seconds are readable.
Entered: **3:08**
